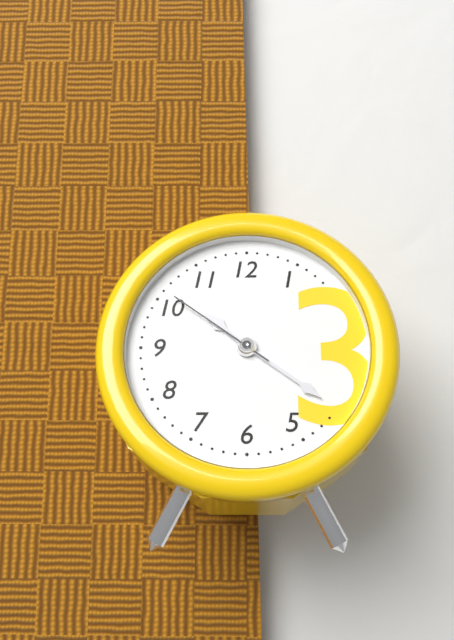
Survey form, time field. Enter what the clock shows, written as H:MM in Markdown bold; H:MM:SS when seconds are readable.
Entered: **10:21:51**
